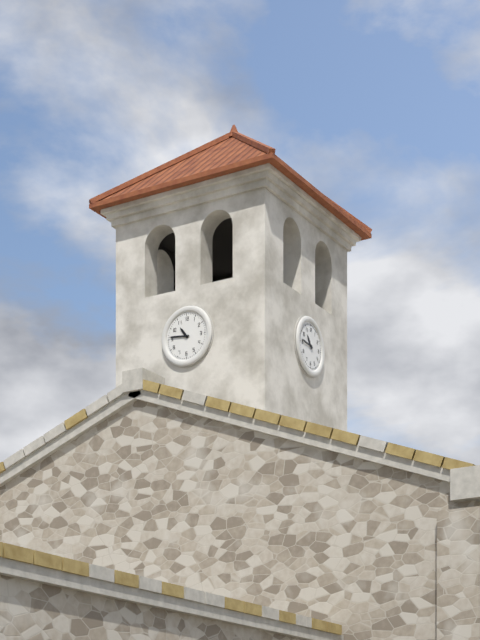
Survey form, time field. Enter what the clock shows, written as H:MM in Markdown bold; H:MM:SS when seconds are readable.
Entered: **10:46**
